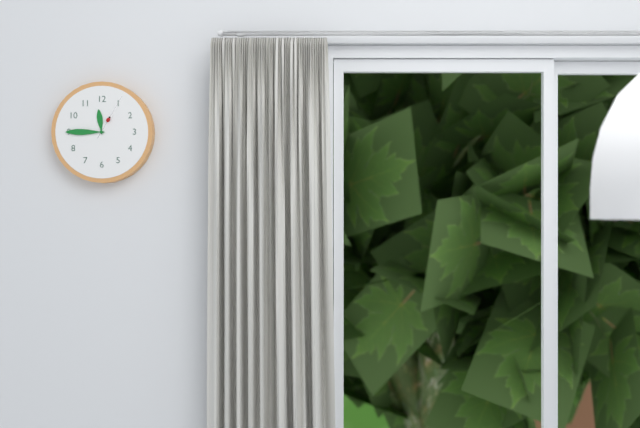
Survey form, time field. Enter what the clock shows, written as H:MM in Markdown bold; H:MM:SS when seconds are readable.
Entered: **11:45:05**
